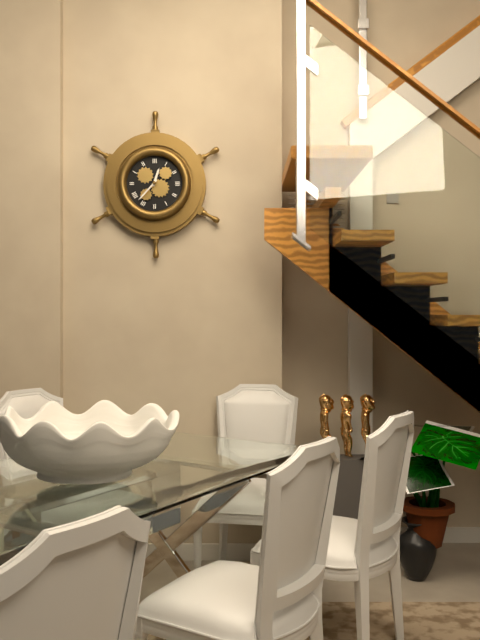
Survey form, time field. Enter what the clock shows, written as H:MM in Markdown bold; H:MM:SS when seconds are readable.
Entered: **12:37**
